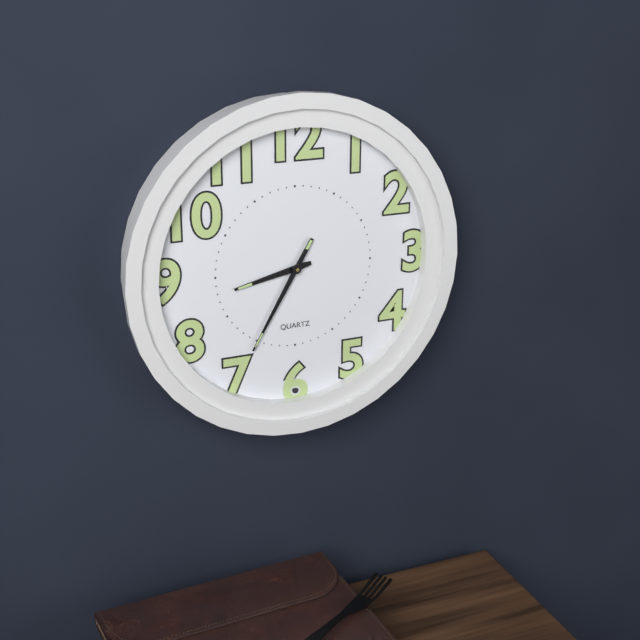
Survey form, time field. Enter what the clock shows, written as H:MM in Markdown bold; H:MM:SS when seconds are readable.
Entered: **8:35**
